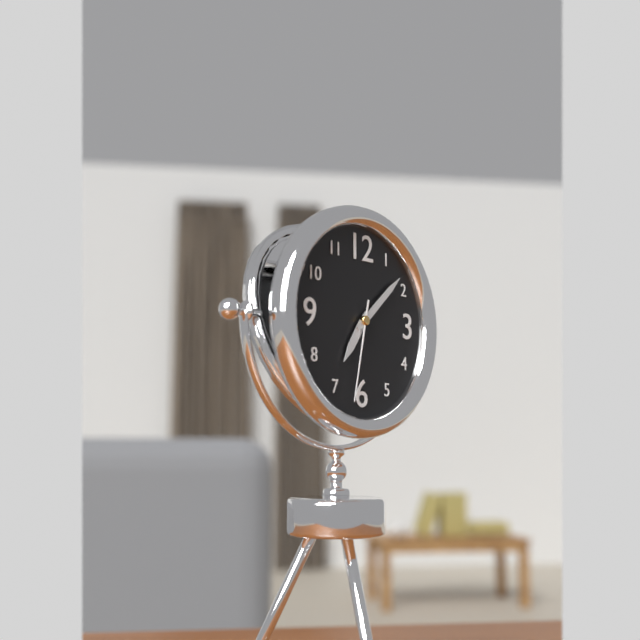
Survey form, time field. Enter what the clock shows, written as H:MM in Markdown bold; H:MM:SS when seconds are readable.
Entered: **7:08:32**
